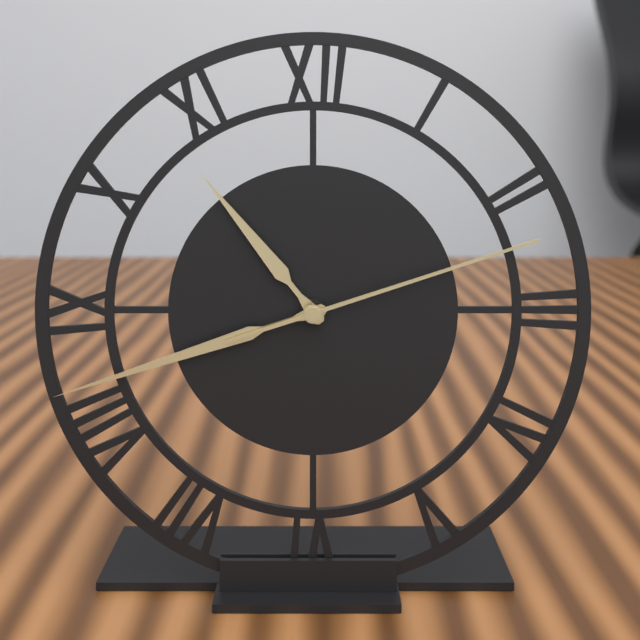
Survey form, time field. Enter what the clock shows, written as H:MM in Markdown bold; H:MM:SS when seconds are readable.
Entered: **10:42:12**
